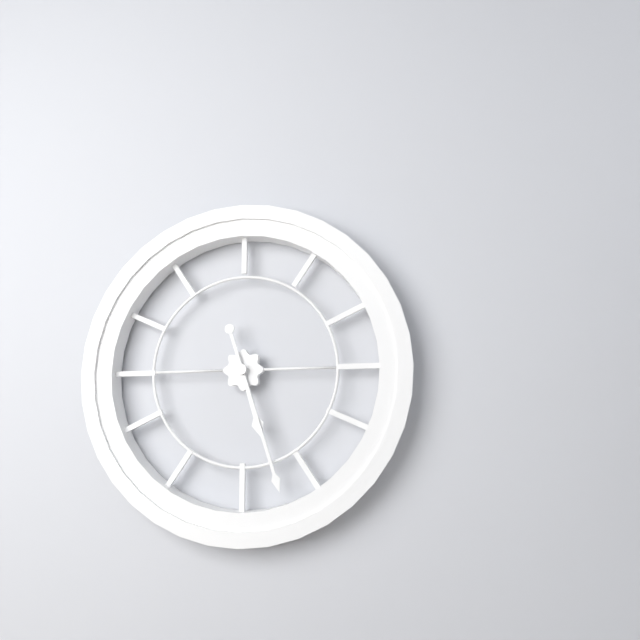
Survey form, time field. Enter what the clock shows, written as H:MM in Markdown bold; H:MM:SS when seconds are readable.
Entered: **5:27**
